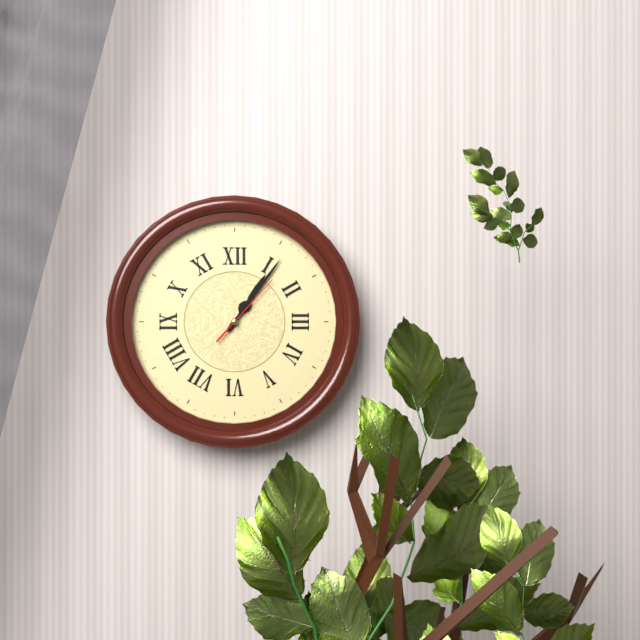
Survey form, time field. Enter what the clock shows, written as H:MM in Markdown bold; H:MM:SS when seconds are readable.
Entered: **1:06:07**
